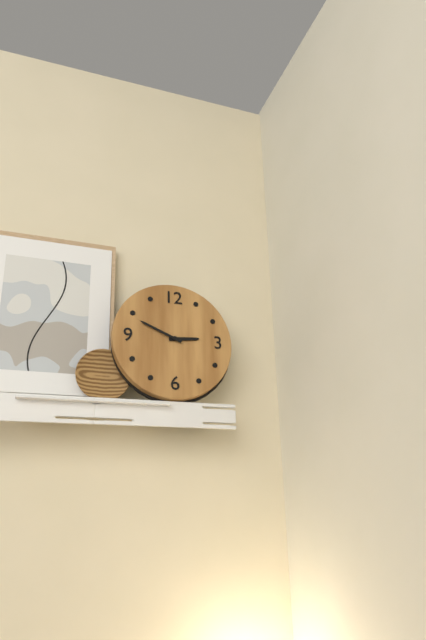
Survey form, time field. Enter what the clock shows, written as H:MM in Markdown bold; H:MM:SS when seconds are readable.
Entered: **2:49**
